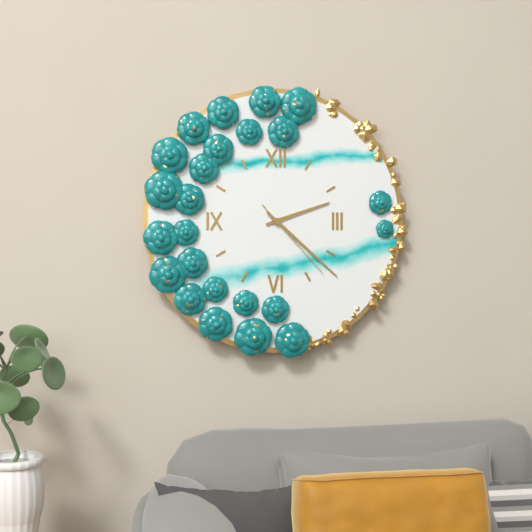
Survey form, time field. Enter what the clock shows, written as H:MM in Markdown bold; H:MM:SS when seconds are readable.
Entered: **2:22:23**
